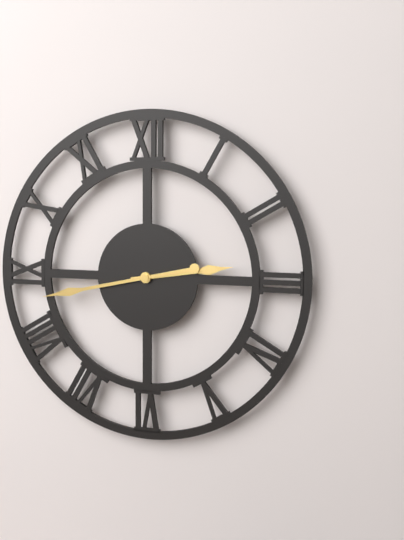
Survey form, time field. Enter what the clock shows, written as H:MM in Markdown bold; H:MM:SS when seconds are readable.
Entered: **2:43**
